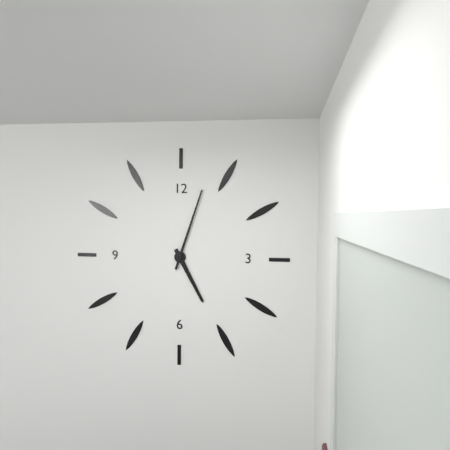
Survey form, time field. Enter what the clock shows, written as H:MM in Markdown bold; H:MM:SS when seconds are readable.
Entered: **5:03**
